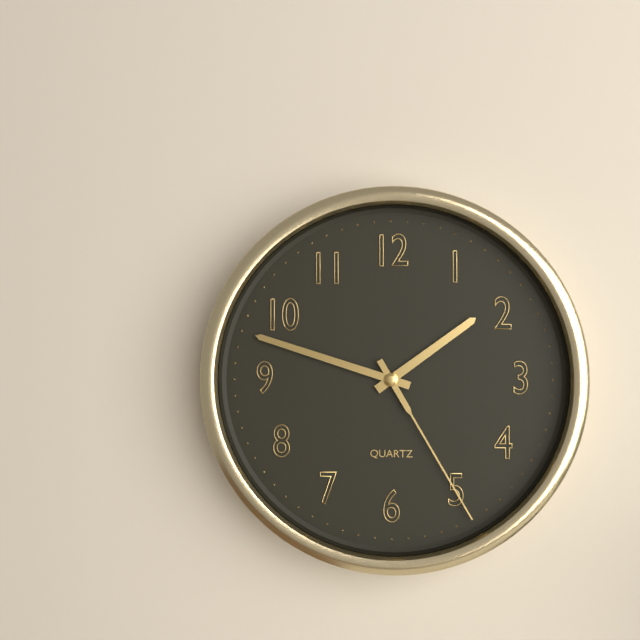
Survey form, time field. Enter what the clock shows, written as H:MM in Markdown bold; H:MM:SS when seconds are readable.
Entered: **1:48:25**
